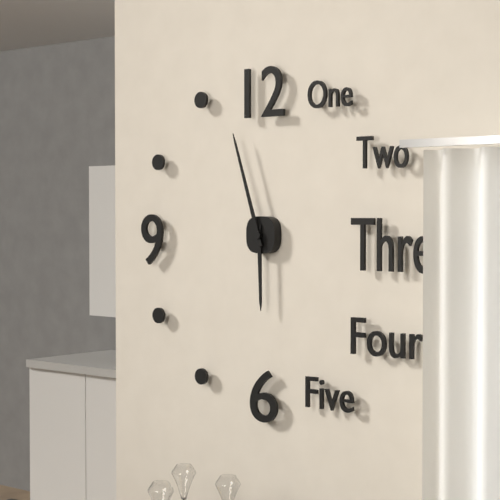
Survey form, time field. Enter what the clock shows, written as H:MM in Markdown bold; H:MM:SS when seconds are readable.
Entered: **5:57**
